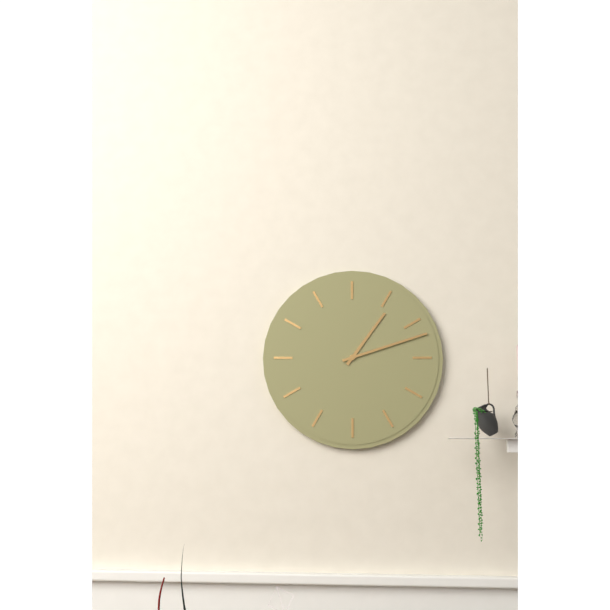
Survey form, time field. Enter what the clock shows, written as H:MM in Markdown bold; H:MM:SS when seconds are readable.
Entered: **1:12**
